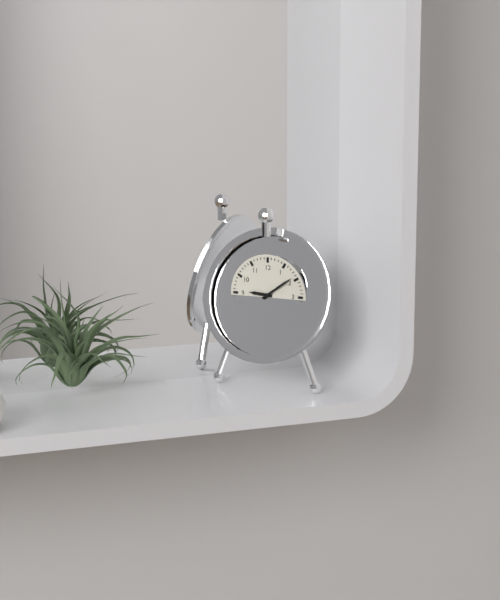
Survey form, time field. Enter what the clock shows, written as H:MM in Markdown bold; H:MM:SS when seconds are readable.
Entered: **9:09**
